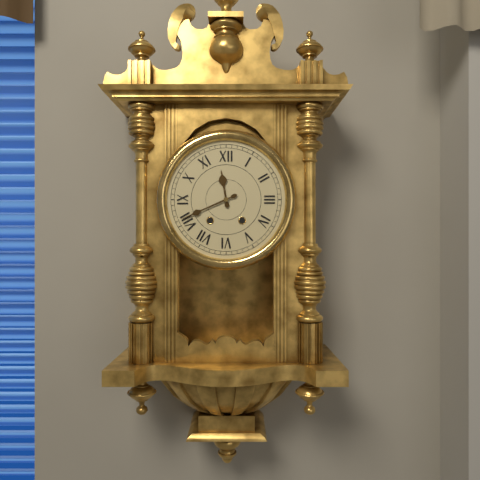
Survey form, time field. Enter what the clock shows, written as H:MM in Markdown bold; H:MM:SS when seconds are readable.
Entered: **11:41**
